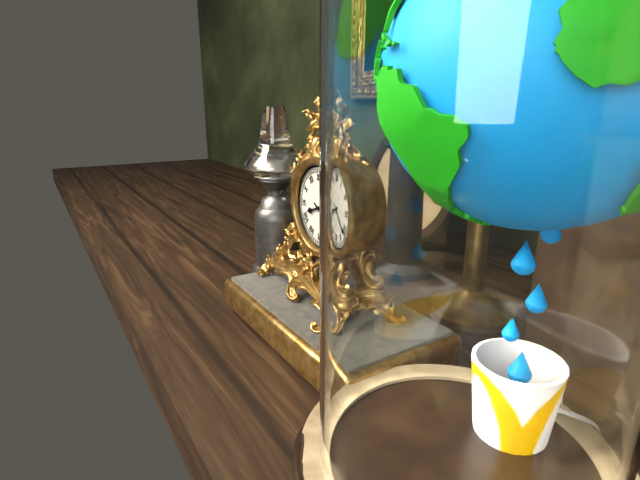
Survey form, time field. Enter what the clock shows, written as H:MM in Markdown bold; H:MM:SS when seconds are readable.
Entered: **8:21**
